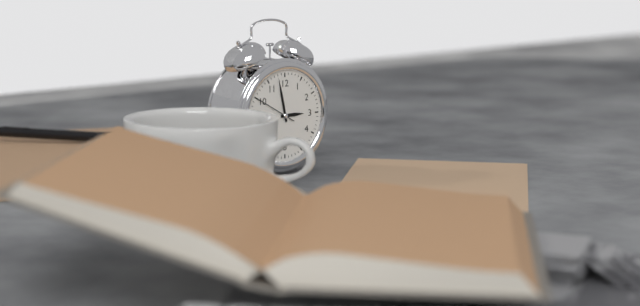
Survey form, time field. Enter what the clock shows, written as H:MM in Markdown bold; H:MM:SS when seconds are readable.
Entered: **2:58**
